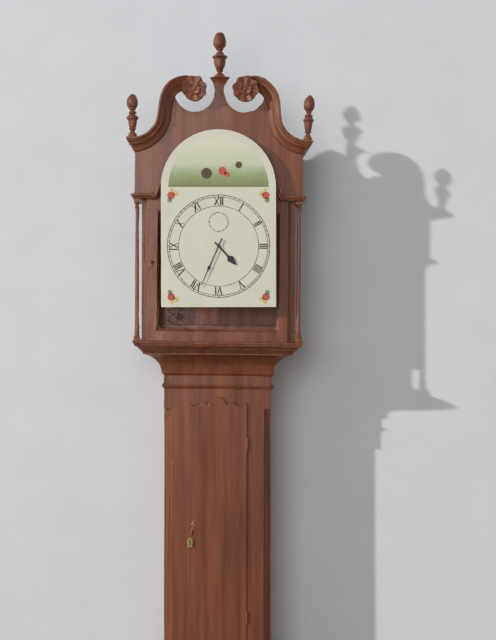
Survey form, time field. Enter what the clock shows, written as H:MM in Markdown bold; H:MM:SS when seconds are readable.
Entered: **4:34**
